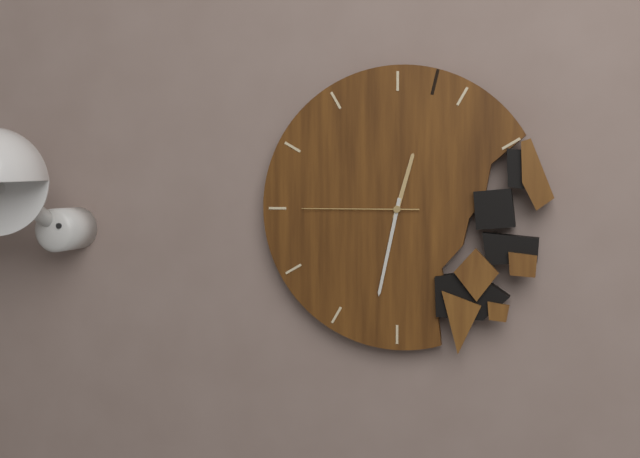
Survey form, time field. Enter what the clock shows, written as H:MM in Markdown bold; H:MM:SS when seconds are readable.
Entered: **12:32:45**
